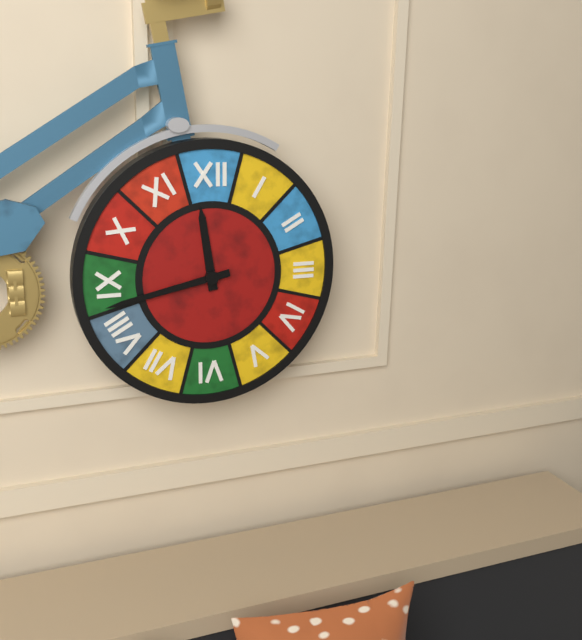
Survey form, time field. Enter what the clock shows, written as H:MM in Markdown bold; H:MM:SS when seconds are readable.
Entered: **11:43**
